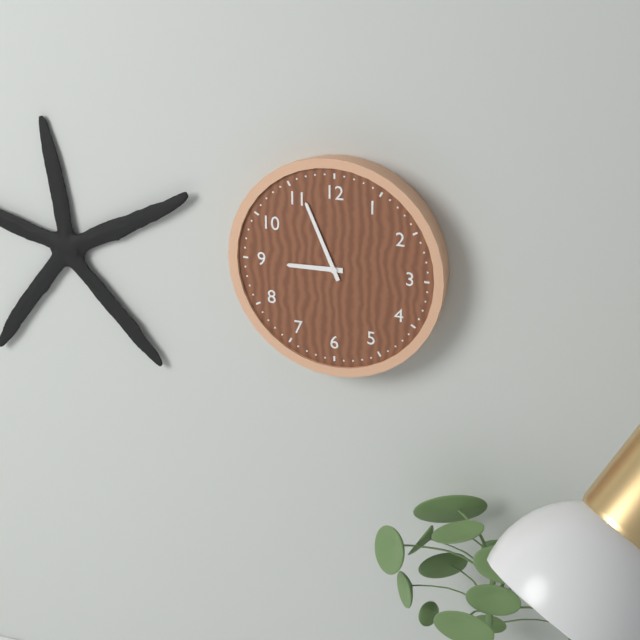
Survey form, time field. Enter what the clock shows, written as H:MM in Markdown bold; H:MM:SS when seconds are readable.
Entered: **8:56**
